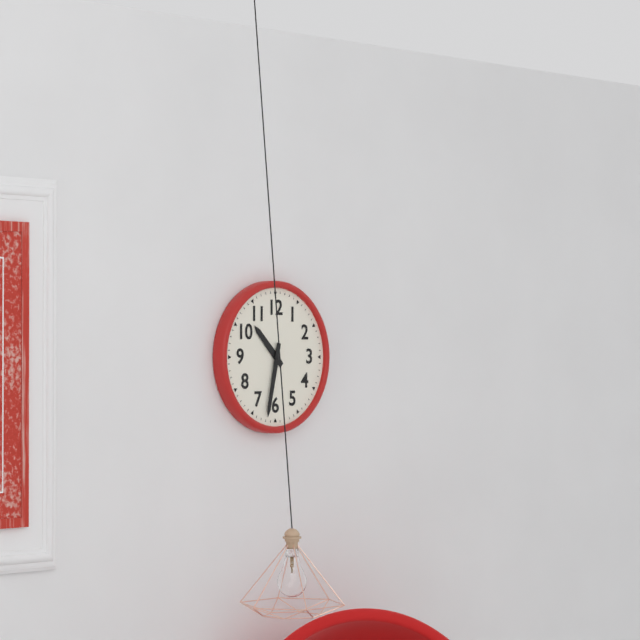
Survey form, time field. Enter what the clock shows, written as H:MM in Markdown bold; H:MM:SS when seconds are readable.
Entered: **10:32**
